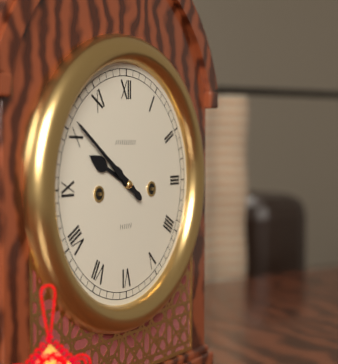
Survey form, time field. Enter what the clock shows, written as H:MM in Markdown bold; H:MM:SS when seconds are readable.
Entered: **9:51**
